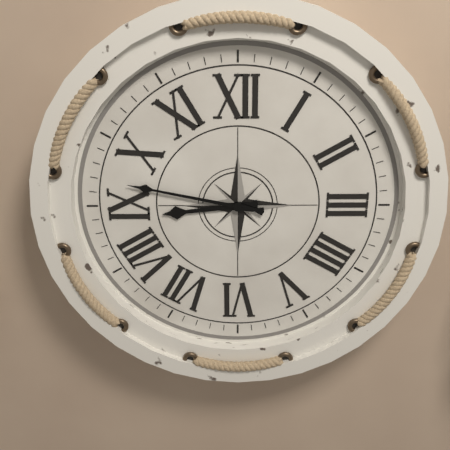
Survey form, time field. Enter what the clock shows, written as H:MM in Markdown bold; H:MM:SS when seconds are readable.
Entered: **8:47**
